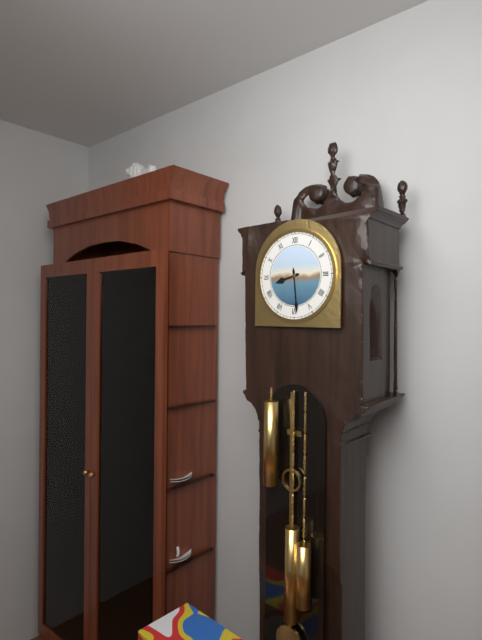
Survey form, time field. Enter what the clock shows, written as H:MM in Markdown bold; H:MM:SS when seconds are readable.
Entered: **8:29**
